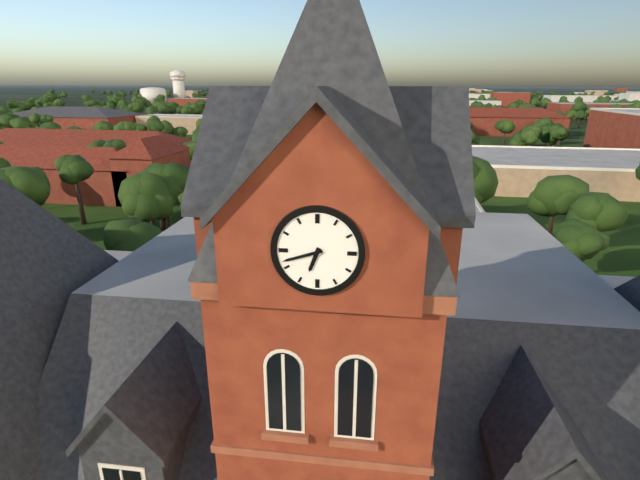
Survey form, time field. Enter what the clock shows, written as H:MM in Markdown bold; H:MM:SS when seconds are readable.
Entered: **6:42**
